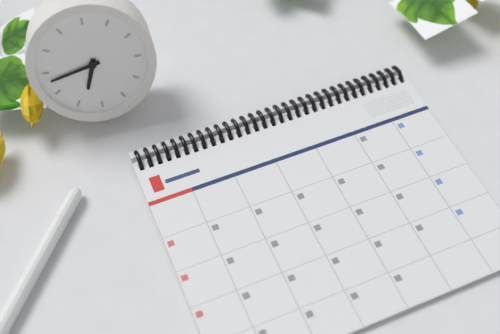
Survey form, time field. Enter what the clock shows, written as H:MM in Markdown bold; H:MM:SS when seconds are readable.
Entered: **6:43**
